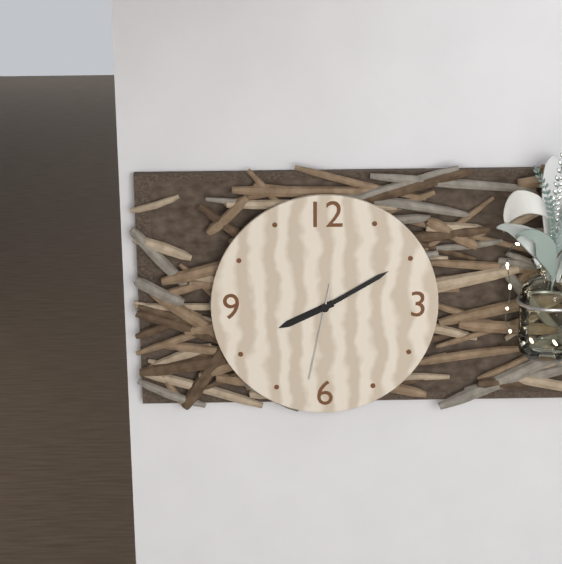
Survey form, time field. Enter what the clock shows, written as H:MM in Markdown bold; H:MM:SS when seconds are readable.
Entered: **8:10:32**
